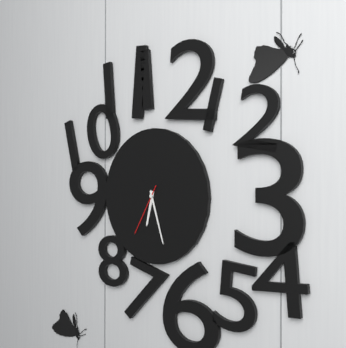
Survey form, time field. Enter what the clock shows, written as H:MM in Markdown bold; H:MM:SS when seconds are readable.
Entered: **6:27:35**
